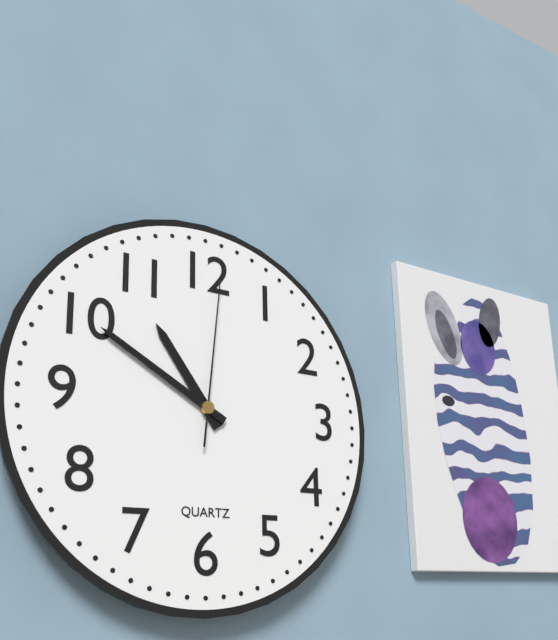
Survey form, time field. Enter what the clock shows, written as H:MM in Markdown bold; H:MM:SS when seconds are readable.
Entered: **10:50:01**
